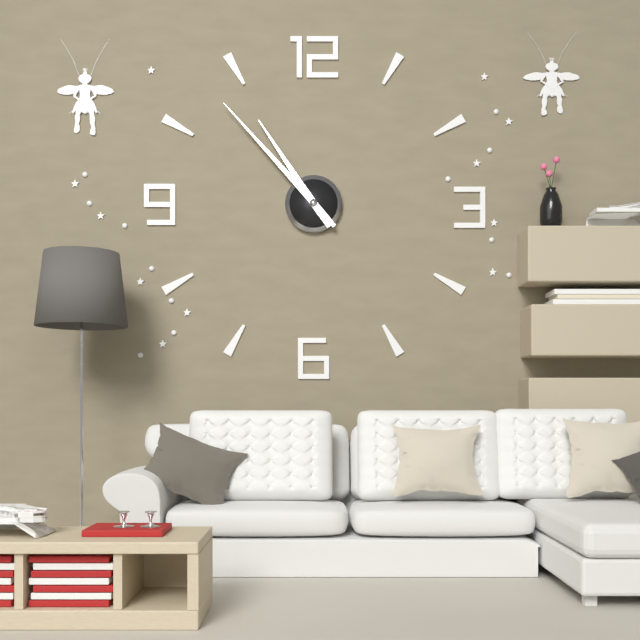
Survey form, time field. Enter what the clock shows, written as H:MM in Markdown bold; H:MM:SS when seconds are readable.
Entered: **10:53**
